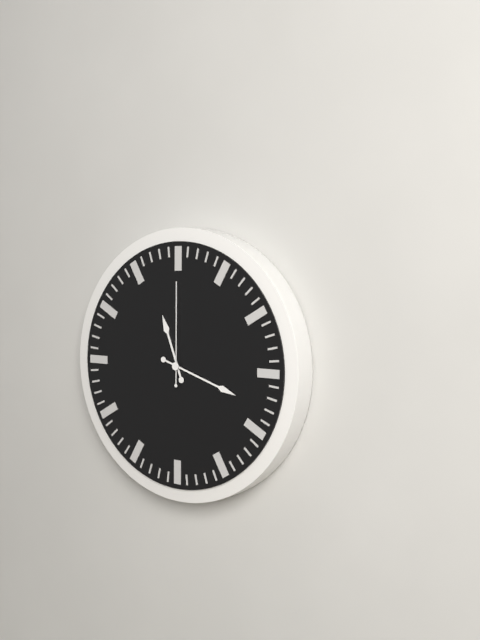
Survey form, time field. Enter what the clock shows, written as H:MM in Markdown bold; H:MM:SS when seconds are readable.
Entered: **11:18:00**
